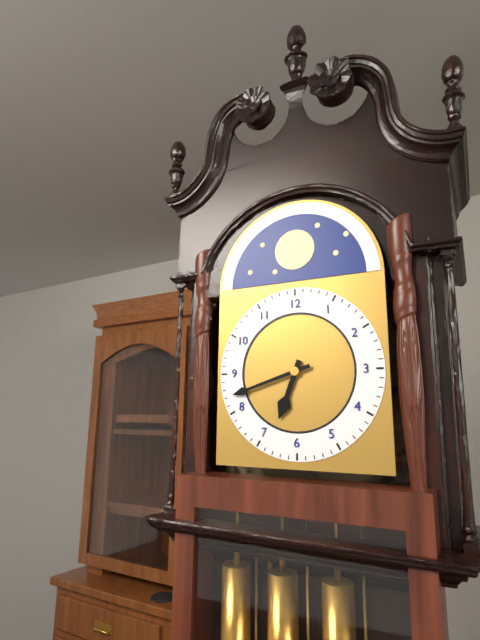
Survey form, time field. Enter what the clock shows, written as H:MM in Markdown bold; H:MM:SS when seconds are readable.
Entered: **6:42**
